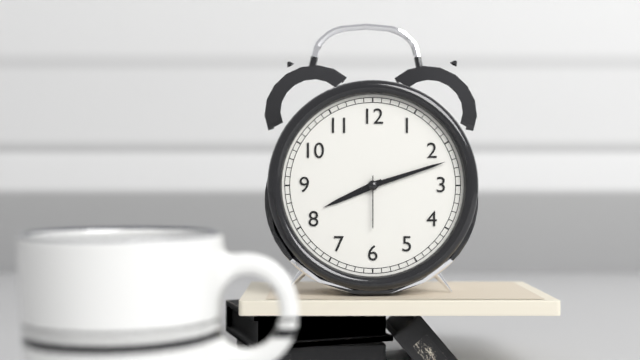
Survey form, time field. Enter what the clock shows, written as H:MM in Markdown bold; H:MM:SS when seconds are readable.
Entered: **8:12:30**
